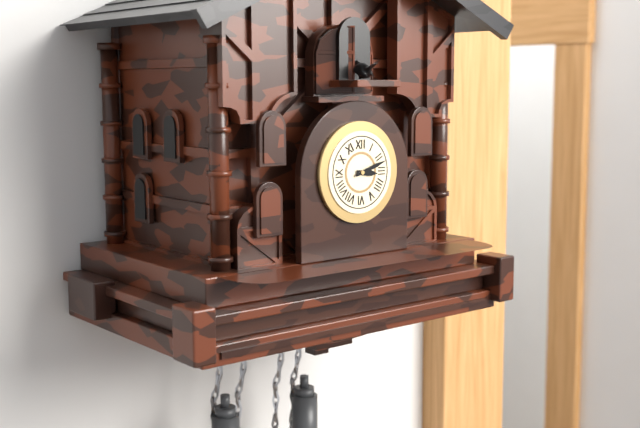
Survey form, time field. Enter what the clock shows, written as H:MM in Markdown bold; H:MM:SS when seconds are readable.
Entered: **3:12**
